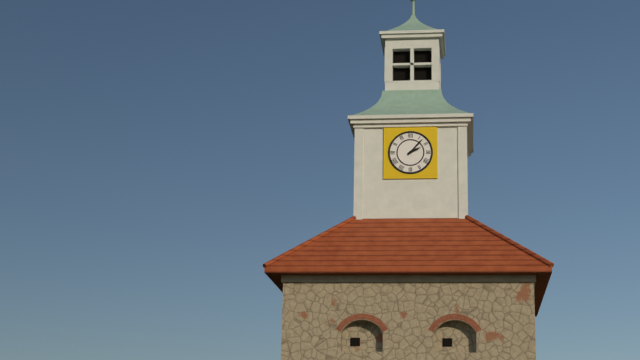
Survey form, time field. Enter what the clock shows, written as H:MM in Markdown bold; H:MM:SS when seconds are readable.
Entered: **2:07**
